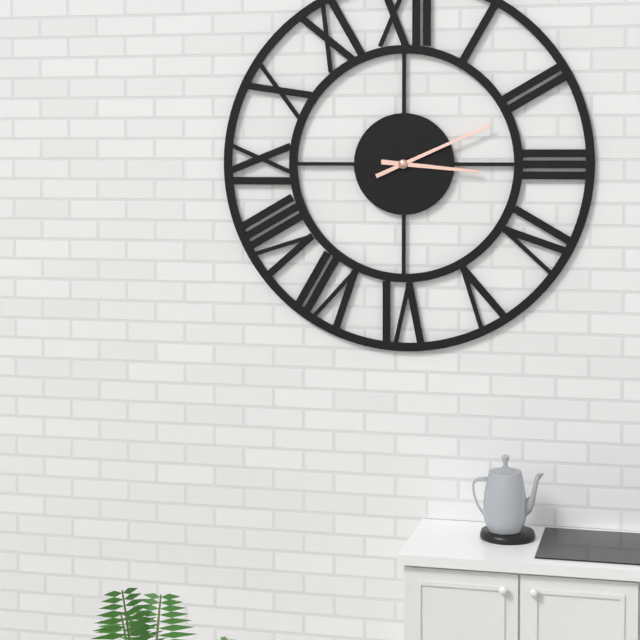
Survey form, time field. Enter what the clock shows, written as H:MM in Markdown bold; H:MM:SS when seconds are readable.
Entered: **3:11**
